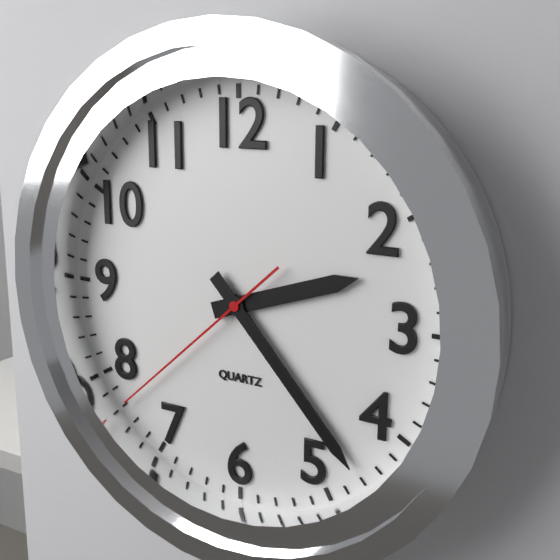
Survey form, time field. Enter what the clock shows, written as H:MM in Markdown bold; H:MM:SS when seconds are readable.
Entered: **2:23:38**
